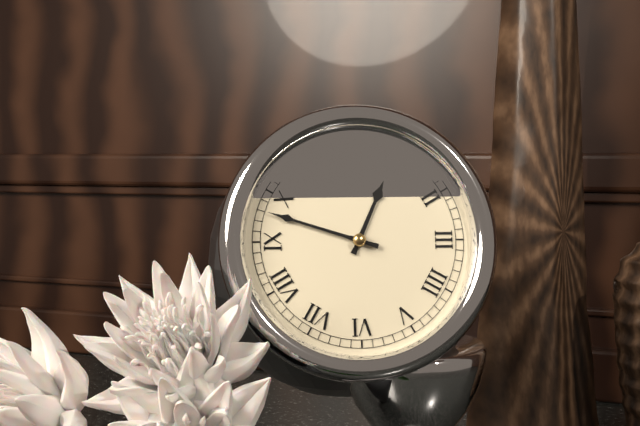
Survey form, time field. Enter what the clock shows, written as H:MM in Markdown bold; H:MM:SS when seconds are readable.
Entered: **12:48**
